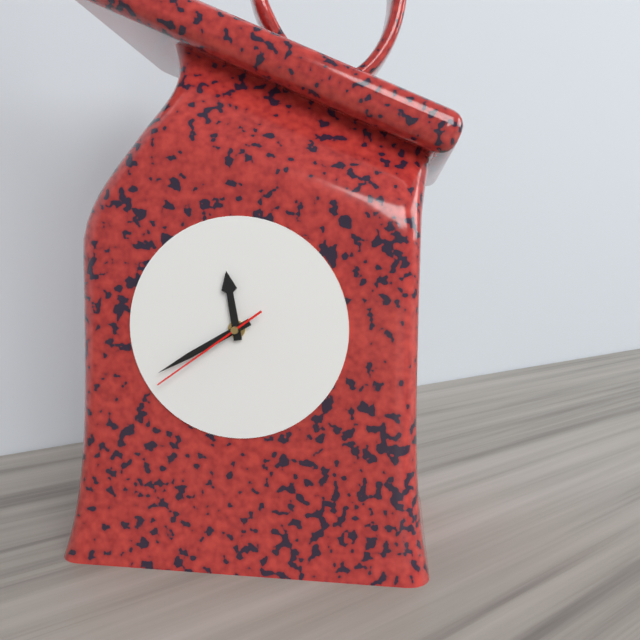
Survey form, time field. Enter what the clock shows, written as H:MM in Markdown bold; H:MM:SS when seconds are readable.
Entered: **11:40:39**
